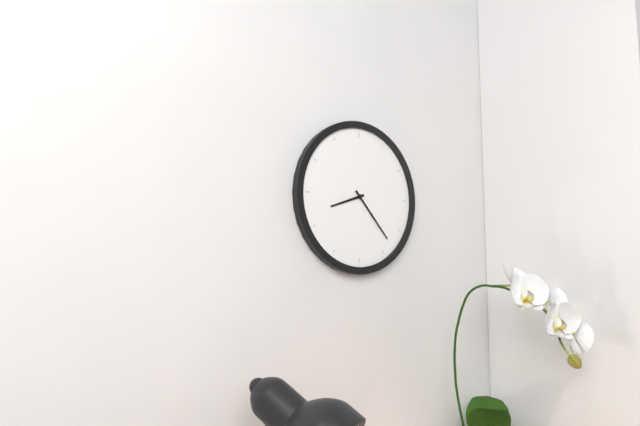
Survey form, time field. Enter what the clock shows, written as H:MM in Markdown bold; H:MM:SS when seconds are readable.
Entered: **8:23**
